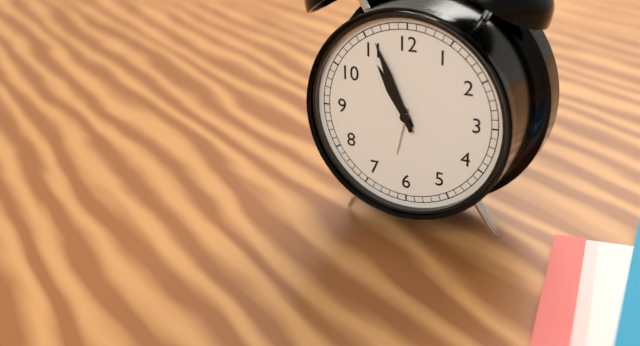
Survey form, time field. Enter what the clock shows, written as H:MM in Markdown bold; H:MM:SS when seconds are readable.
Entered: **10:56**
